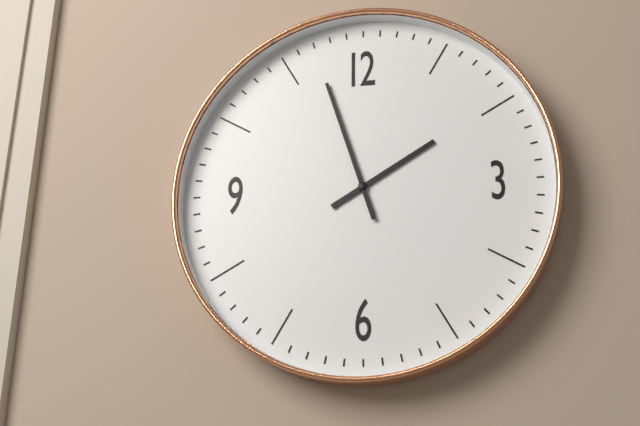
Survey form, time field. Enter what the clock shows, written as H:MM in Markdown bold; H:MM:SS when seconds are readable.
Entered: **1:57**
